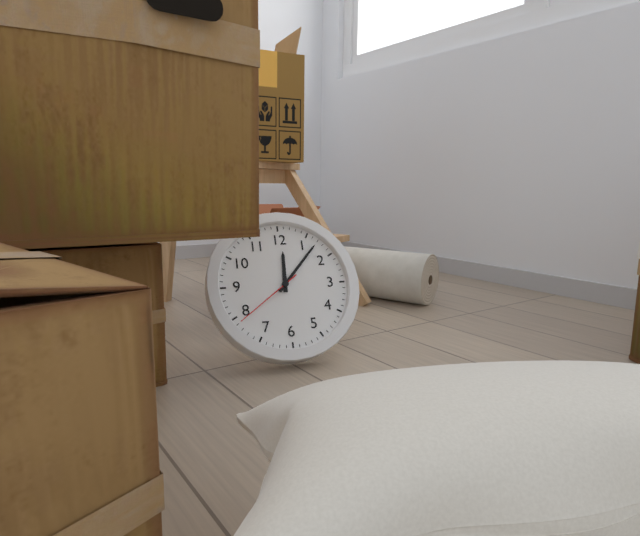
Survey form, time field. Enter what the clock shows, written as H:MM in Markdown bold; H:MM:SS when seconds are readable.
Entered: **12:07:39**
